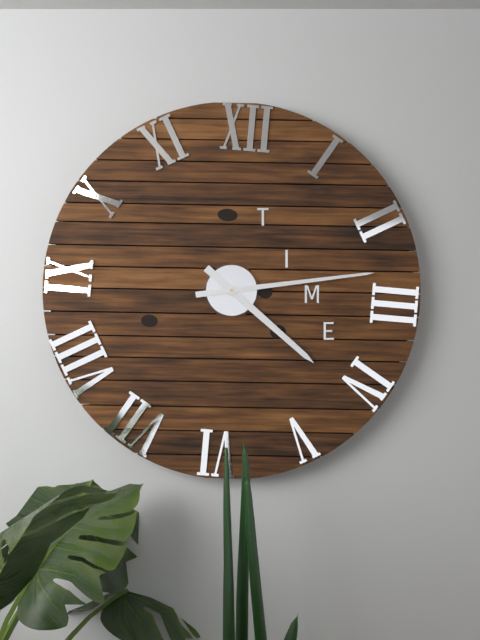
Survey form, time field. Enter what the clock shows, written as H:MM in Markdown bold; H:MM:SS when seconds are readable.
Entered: **4:13**
